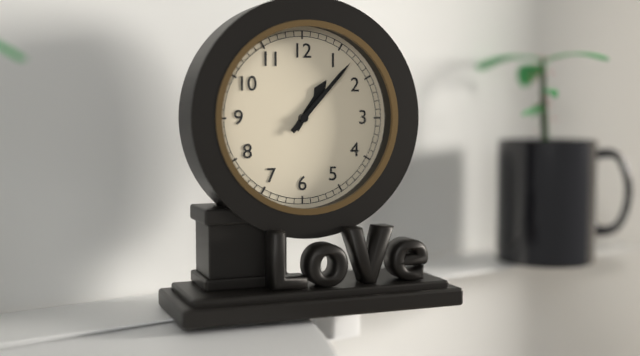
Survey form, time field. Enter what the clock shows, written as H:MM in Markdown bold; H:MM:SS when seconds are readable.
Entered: **1:07**
